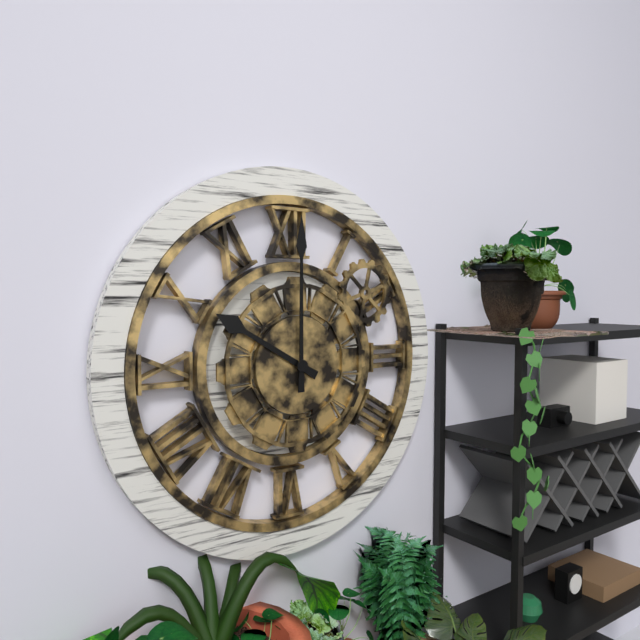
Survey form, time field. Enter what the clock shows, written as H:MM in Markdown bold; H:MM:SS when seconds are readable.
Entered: **10:00**
